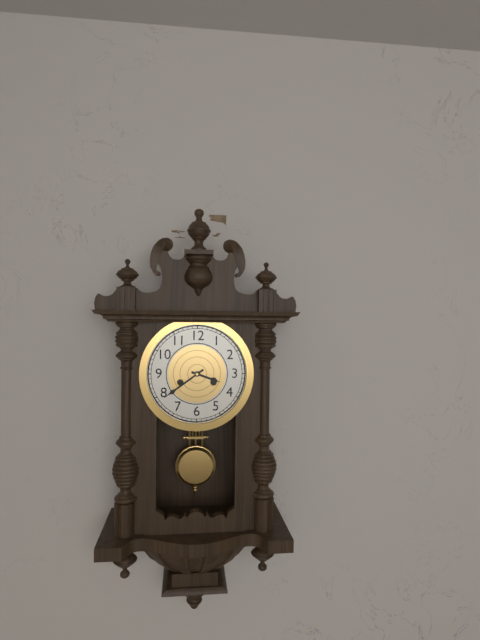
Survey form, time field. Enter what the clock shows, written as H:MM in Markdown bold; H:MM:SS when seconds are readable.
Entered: **3:39**
